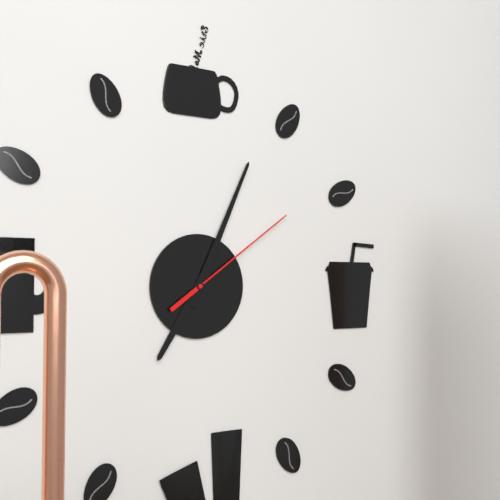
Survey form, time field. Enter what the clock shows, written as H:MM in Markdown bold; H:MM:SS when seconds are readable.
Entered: **7:04:09**
